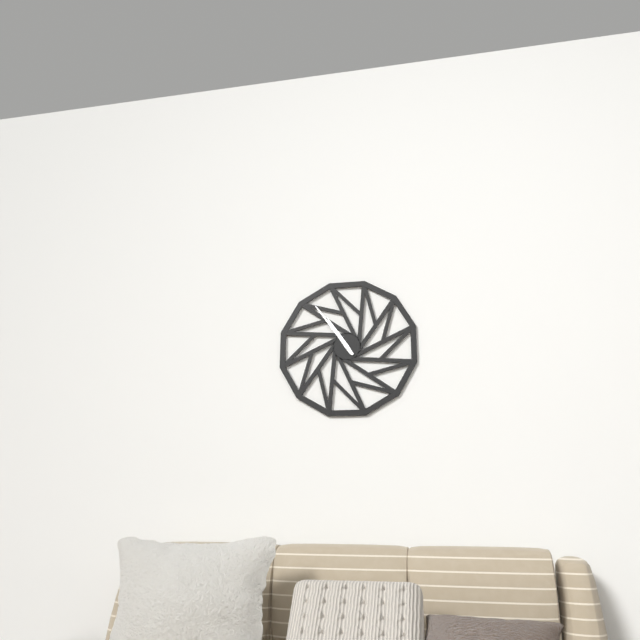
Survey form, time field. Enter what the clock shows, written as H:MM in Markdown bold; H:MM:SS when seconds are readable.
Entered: **10:54**
